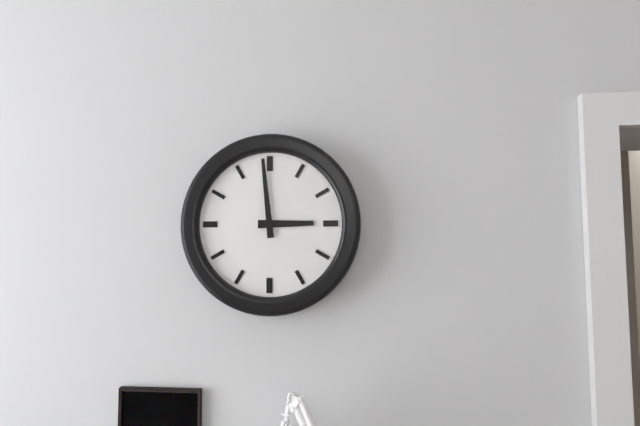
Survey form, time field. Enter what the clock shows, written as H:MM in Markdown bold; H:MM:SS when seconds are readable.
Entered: **2:59**
